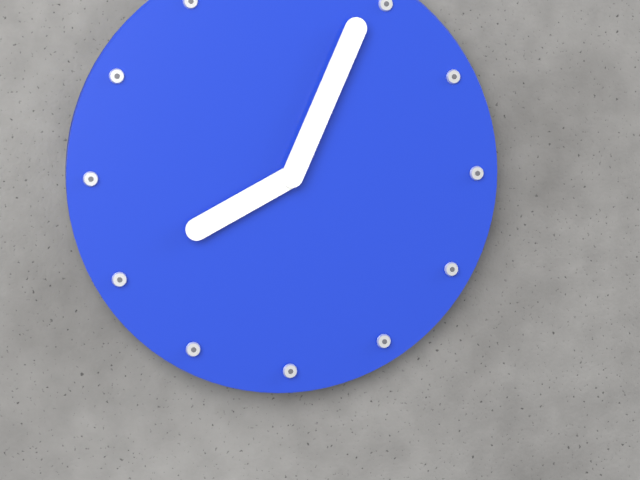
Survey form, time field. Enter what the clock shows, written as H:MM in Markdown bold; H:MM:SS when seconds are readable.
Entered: **8:04**
